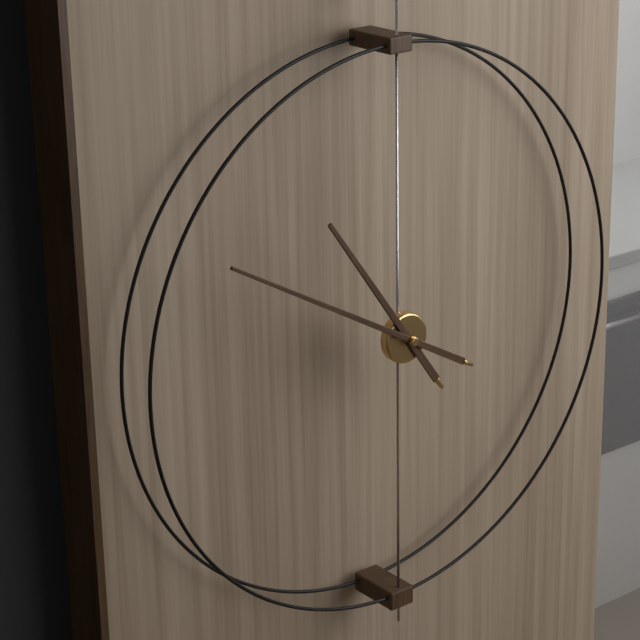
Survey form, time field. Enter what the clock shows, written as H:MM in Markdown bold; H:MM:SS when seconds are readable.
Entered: **10:50**
